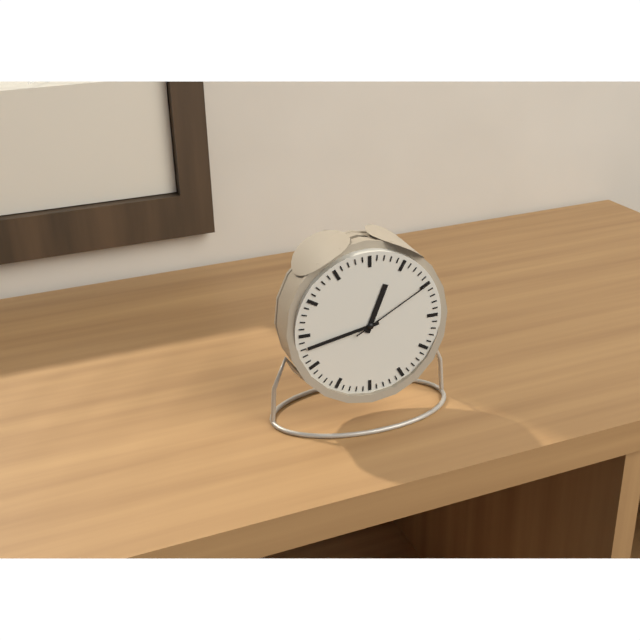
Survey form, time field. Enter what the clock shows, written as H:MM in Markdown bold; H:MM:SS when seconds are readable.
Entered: **12:43:10**
